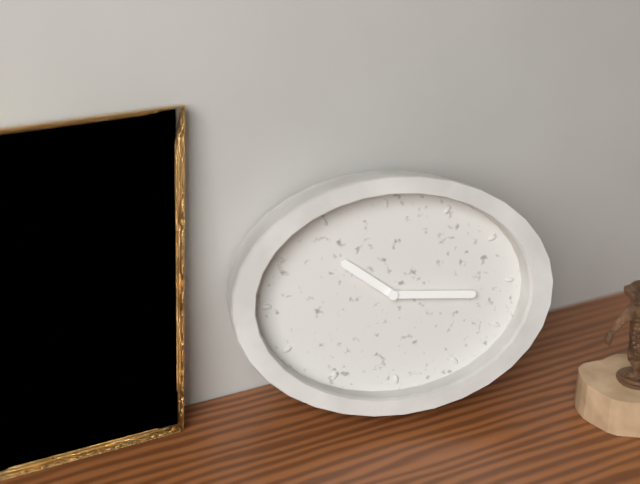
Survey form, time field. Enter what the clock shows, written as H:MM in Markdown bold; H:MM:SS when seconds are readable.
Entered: **10:16**
